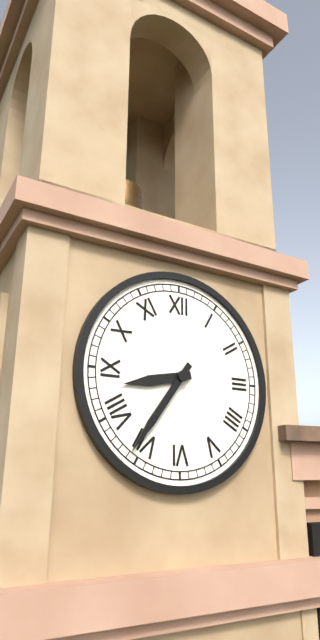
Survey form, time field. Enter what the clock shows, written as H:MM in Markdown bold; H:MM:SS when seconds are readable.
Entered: **8:36**
